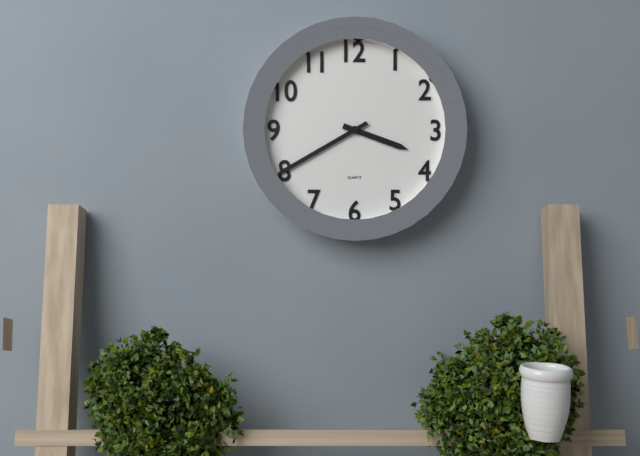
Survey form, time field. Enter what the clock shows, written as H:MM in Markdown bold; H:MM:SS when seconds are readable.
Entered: **3:40**
